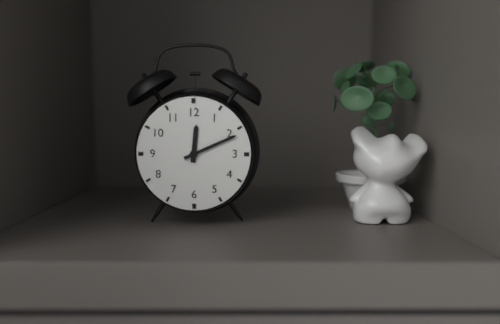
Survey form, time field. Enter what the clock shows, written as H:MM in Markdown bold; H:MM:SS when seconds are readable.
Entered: **12:11**
